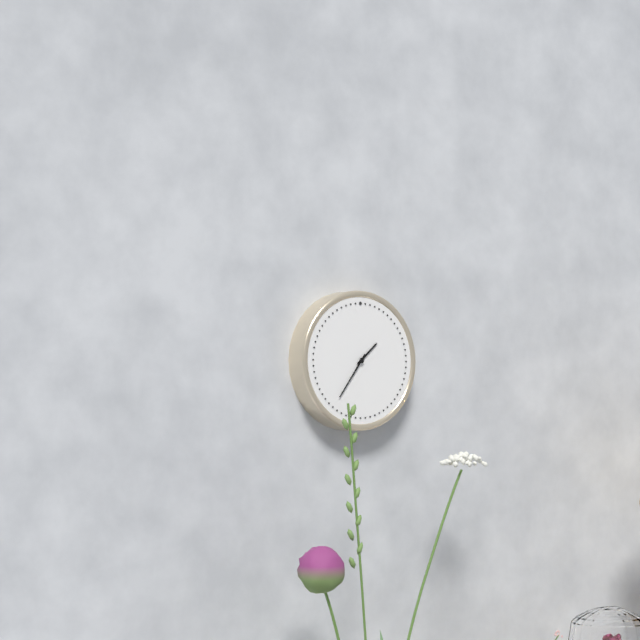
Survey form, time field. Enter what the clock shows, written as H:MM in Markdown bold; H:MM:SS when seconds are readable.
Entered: **1:36**
